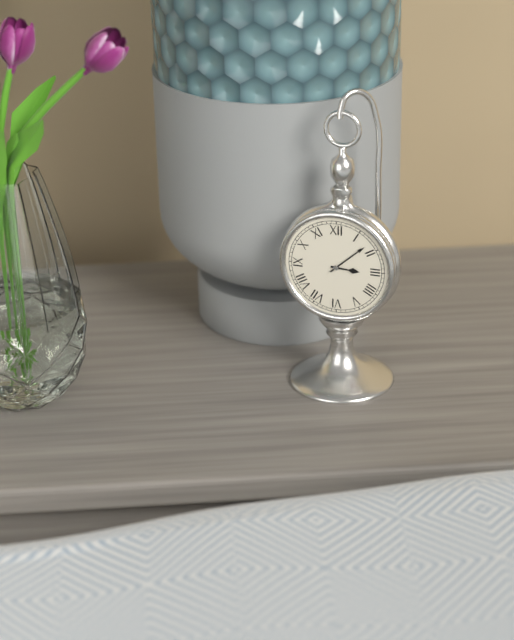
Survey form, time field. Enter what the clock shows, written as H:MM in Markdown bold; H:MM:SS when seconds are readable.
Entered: **3:08**
